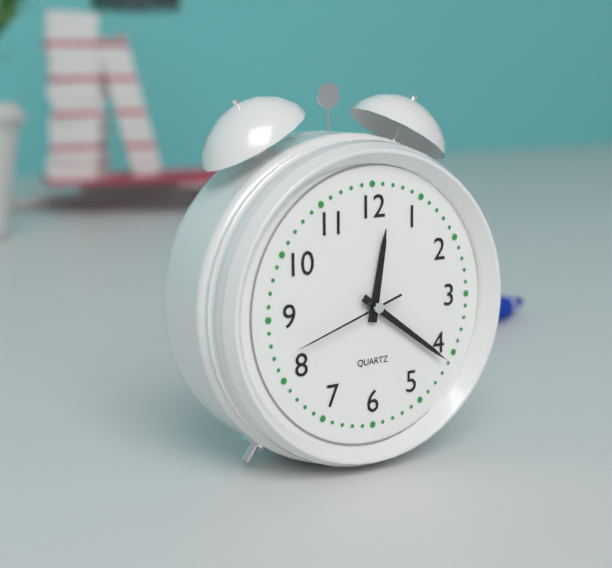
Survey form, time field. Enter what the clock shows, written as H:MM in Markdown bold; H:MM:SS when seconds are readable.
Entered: **12:21:42**
